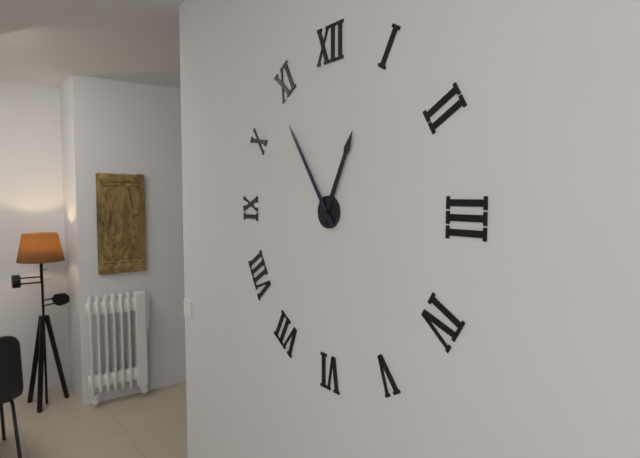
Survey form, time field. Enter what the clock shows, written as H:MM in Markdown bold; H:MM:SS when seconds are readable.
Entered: **12:54**
